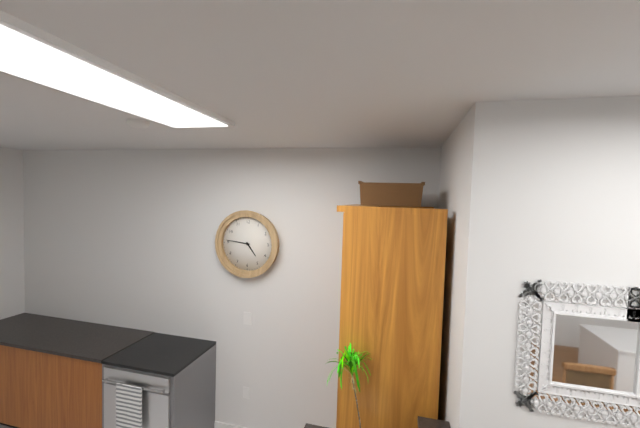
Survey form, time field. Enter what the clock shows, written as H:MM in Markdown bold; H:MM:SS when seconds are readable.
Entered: **4:46**
